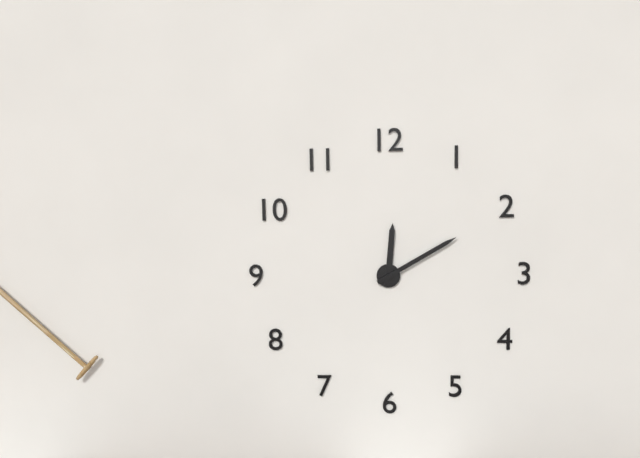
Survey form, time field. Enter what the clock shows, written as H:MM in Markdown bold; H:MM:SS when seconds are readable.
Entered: **12:10**
